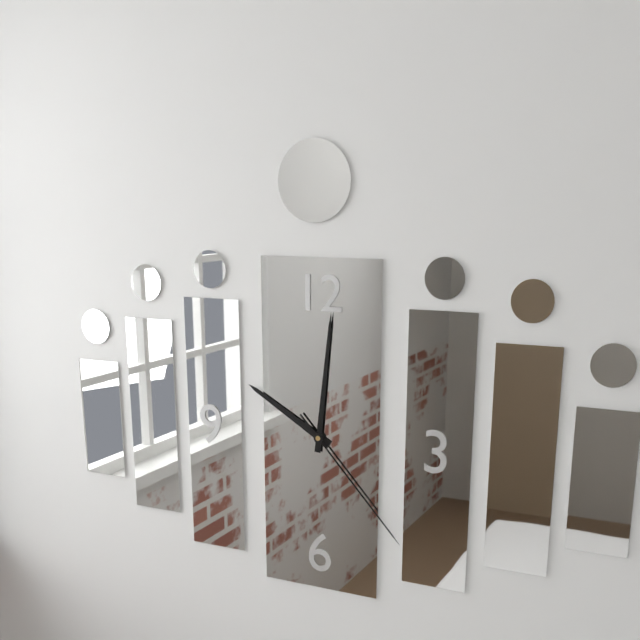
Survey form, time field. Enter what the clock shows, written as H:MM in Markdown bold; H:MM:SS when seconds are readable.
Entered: **10:01:23**
